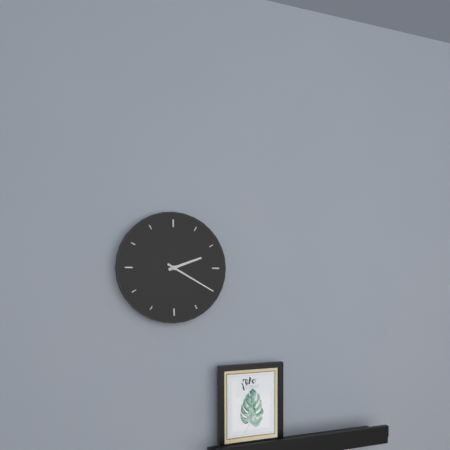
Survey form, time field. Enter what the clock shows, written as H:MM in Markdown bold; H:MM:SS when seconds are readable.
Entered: **2:20**
